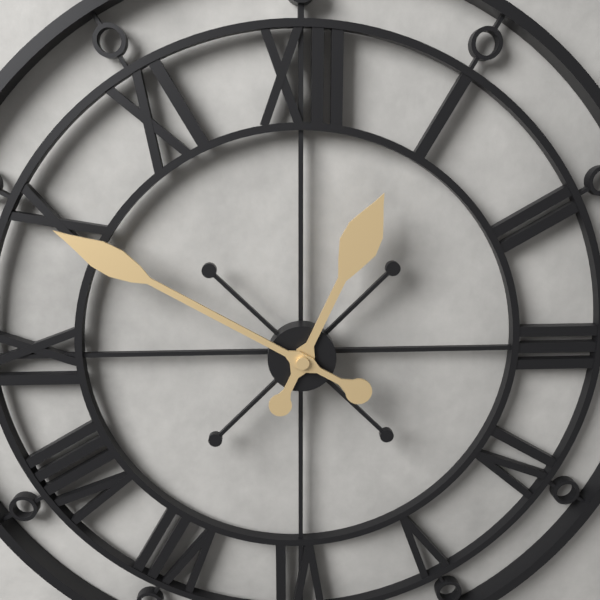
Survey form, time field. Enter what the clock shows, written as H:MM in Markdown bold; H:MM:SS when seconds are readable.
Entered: **12:50**
